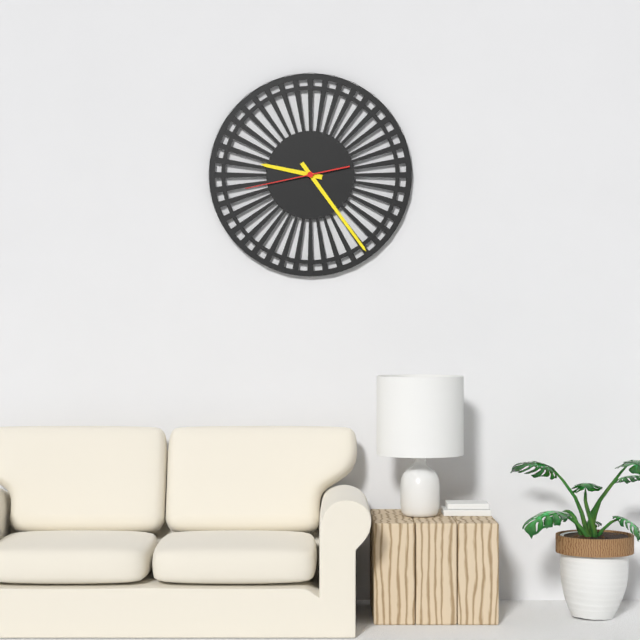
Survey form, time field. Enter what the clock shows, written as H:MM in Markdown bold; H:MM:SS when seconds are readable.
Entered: **9:24:43**
